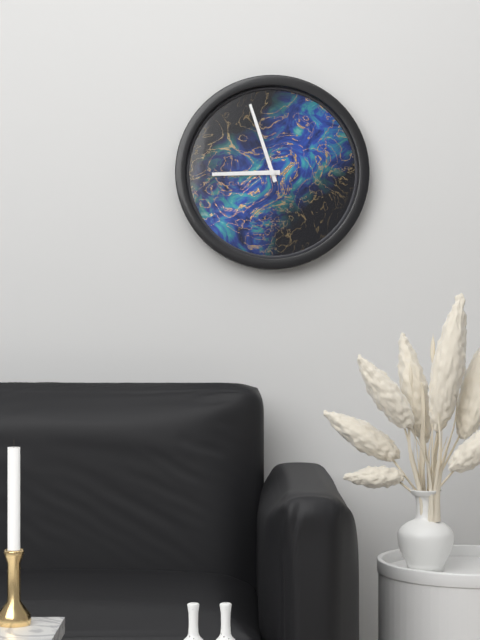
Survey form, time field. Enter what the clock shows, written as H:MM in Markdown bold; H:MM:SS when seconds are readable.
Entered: **8:57**
